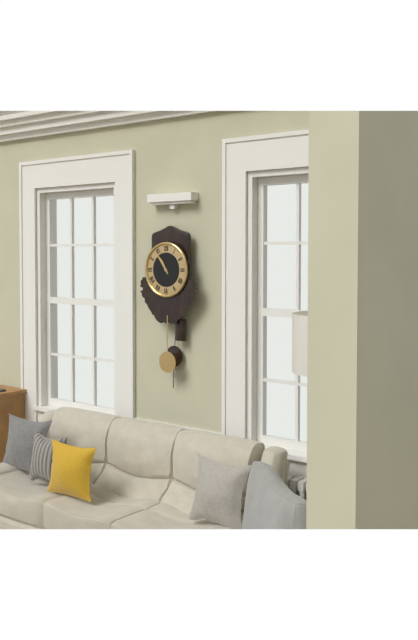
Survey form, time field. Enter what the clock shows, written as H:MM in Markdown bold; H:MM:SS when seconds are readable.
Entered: **10:54**
